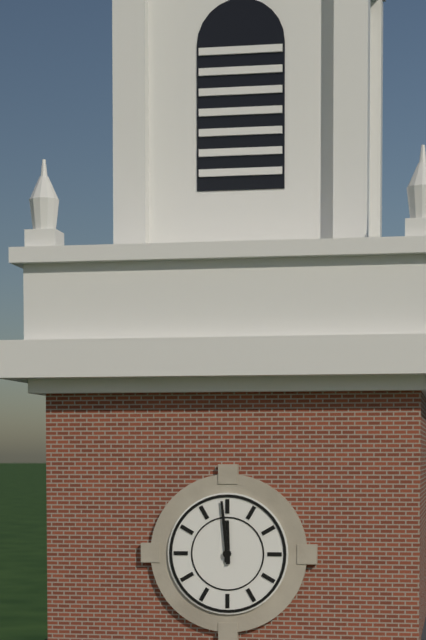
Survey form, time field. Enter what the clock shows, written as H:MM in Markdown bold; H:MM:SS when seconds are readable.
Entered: **11:59**
